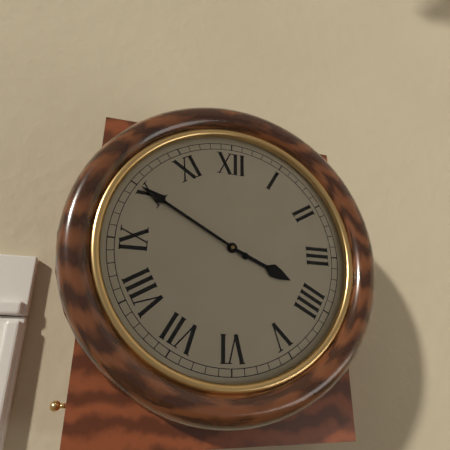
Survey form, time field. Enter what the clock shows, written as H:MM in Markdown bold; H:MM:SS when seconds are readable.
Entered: **3:50**
